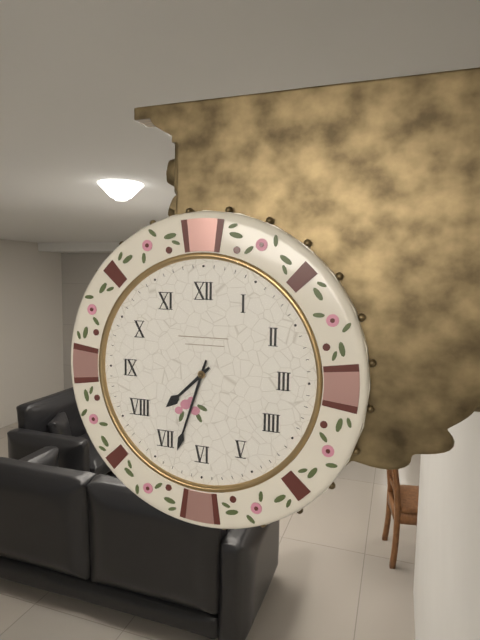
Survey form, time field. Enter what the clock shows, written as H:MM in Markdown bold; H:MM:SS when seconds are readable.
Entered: **7:33**
